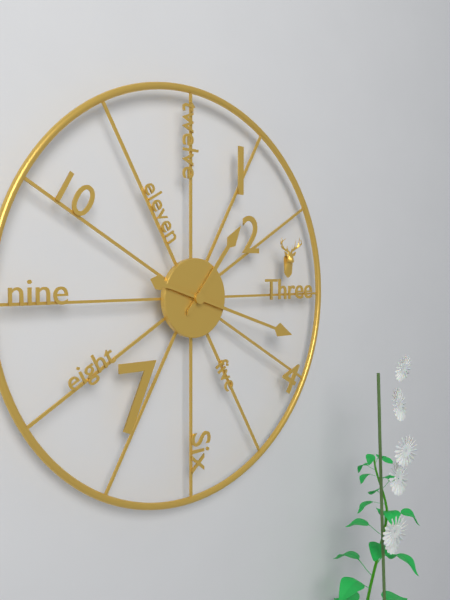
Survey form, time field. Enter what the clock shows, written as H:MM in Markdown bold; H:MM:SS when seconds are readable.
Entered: **1:18**
